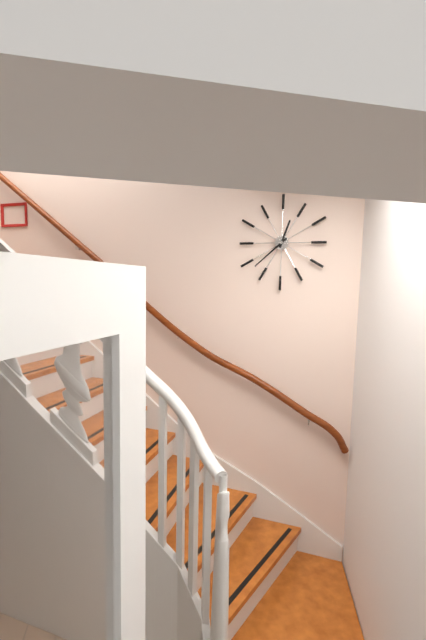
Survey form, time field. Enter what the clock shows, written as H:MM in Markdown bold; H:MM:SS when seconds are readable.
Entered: **12:38**
